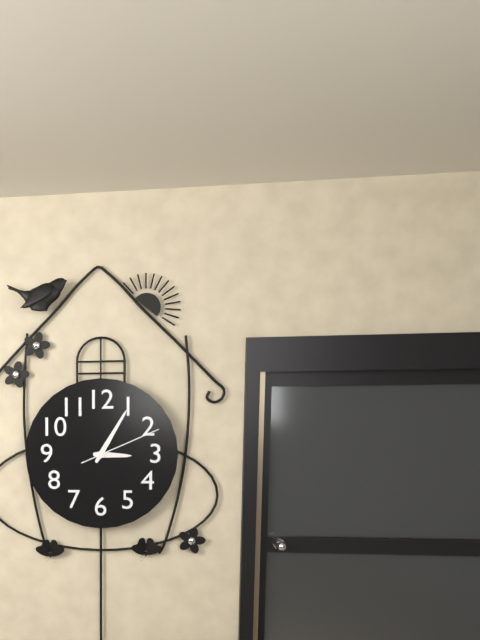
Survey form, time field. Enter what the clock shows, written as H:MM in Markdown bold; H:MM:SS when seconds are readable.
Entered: **3:05:11**
